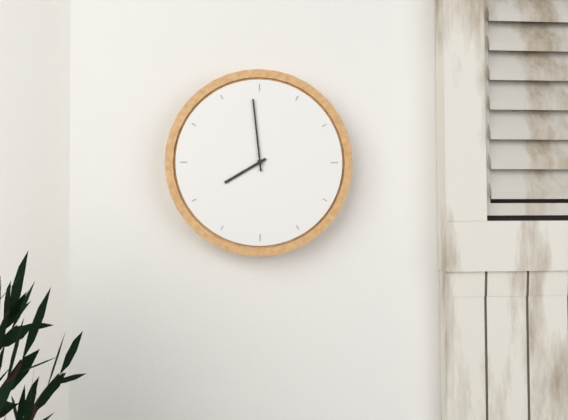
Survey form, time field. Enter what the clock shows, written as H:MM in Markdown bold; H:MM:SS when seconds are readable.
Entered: **7:59**
